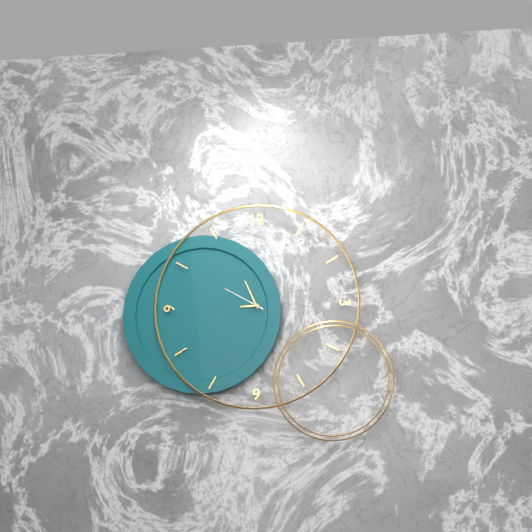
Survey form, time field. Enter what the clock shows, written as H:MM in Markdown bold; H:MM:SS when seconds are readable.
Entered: **8:56**
